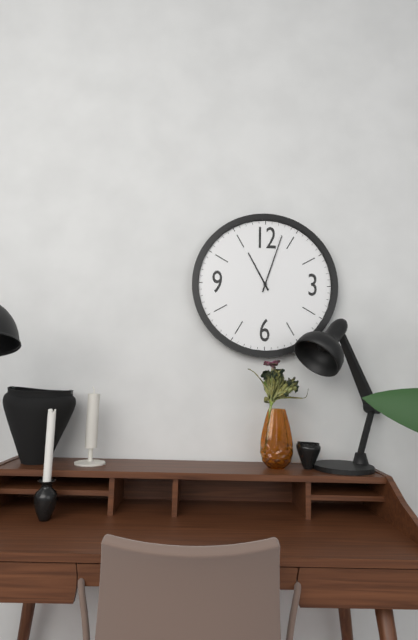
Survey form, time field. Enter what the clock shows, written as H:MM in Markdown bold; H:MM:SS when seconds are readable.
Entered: **11:03**
